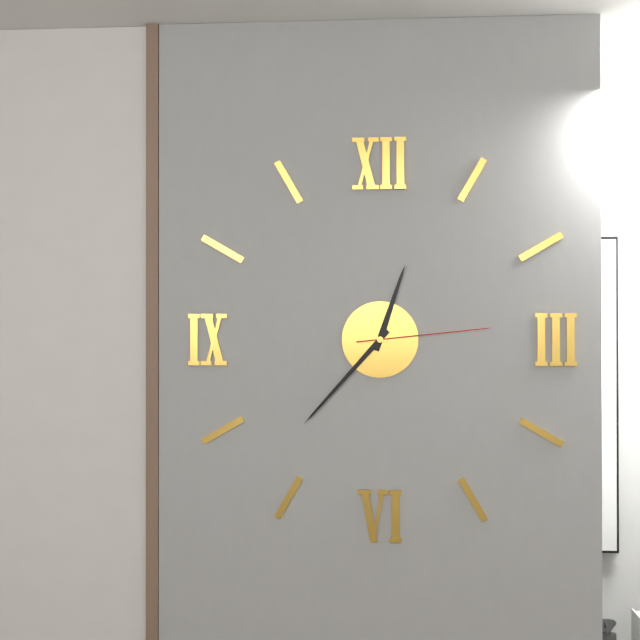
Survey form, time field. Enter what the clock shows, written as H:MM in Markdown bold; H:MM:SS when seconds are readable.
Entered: **12:37:14**
